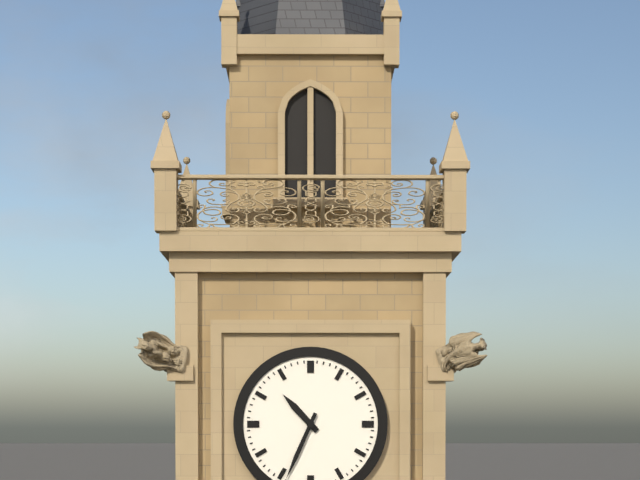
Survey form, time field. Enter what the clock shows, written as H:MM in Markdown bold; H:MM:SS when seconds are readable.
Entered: **10:34**
